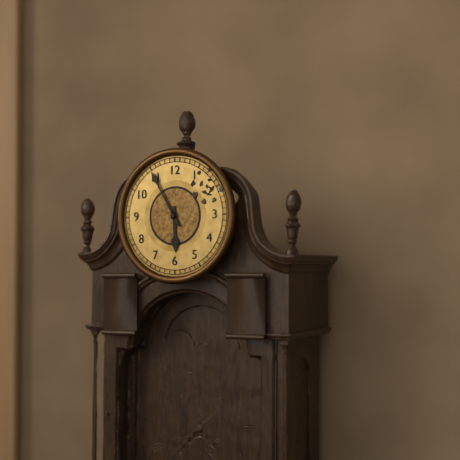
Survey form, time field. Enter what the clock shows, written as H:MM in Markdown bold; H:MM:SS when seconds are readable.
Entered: **5:55**
